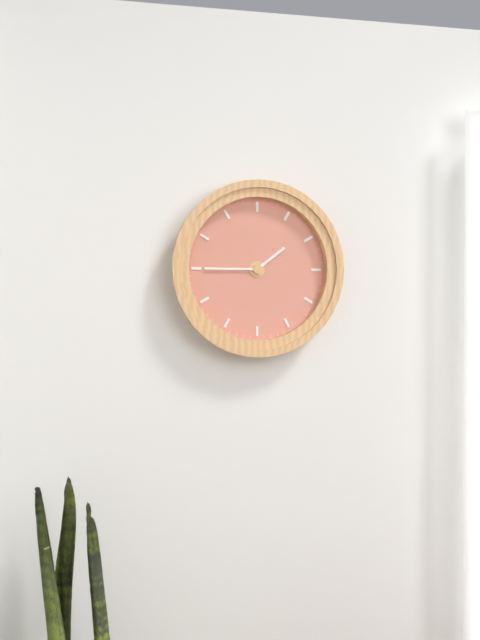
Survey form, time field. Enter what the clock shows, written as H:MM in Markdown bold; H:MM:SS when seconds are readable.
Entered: **1:45**
